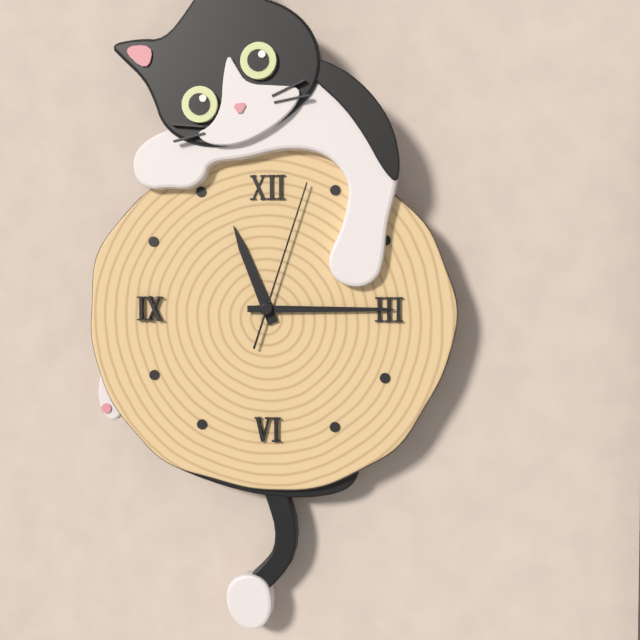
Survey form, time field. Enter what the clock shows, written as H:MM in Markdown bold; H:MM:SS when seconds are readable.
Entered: **11:15:03**
